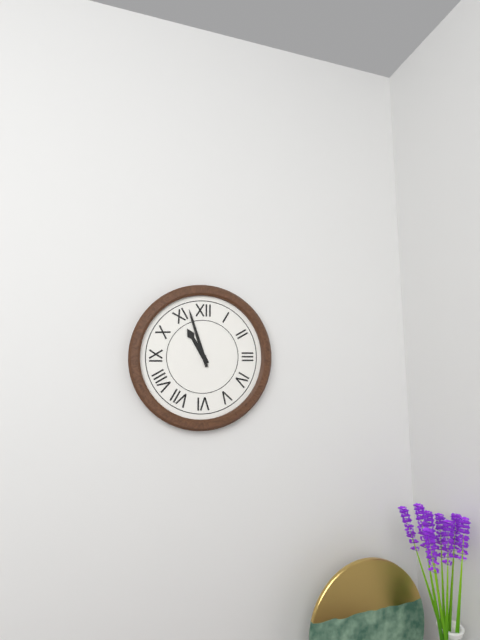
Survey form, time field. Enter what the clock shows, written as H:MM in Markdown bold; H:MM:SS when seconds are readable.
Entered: **10:57**
